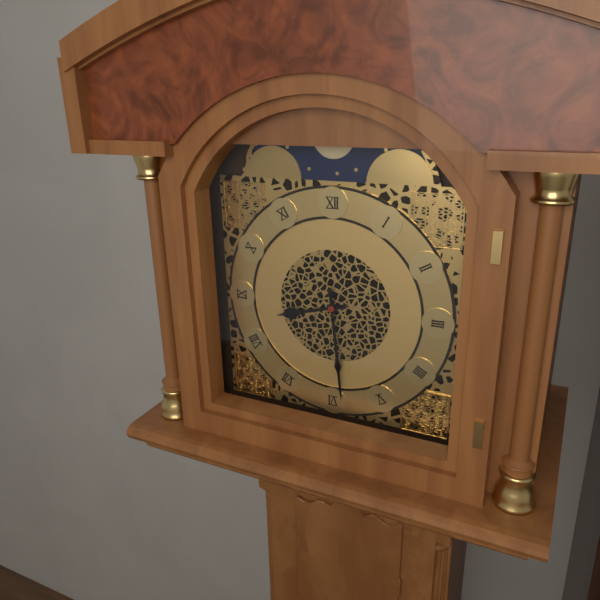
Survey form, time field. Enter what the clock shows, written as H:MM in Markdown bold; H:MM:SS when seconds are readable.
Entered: **8:29**
